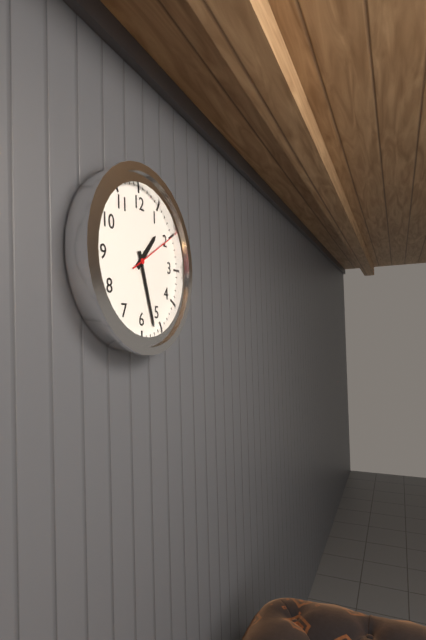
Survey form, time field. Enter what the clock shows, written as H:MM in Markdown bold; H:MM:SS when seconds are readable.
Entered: **1:27**
